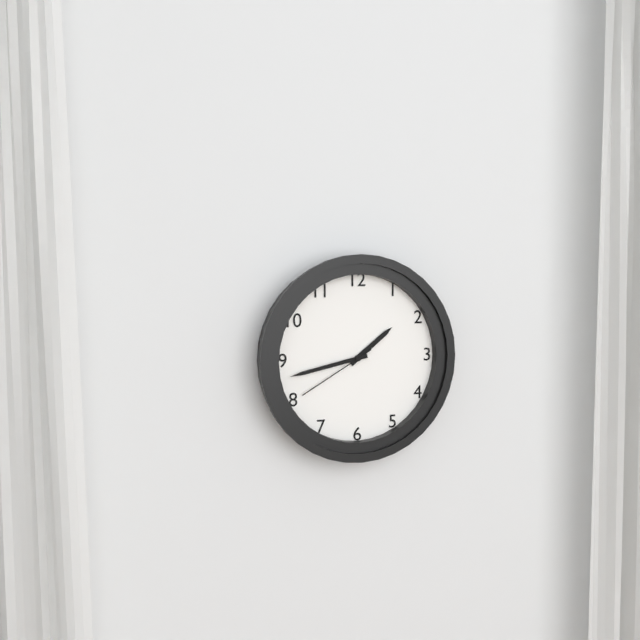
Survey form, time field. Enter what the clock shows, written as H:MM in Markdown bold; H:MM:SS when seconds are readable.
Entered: **1:43:40**
